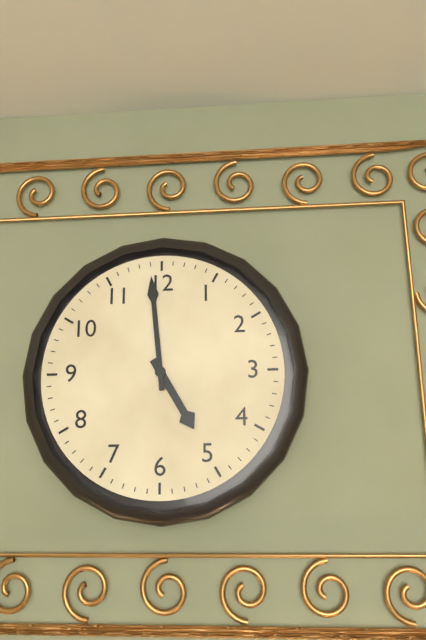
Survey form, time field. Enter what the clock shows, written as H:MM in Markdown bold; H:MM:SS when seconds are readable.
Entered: **4:59**
